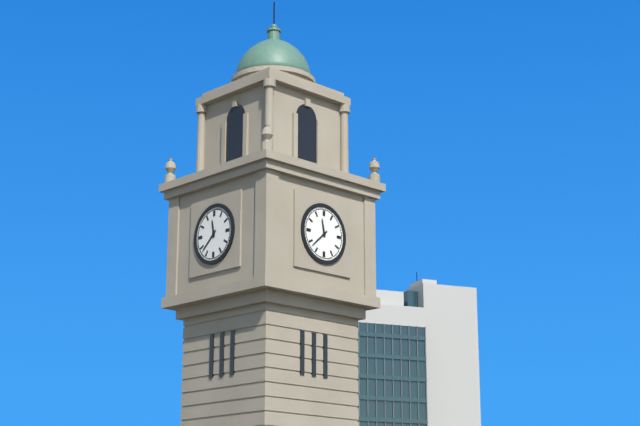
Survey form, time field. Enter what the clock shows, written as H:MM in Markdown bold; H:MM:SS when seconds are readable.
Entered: **11:38**
